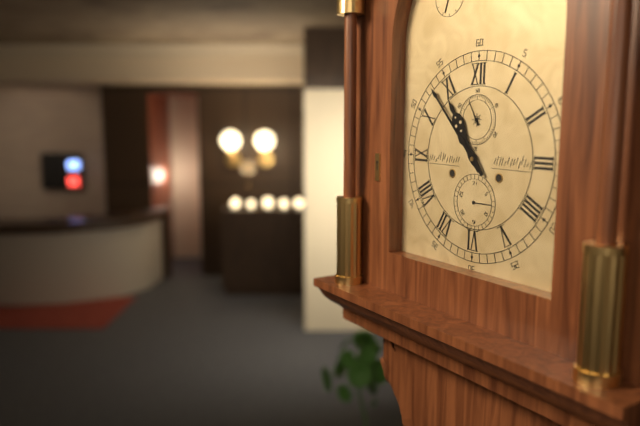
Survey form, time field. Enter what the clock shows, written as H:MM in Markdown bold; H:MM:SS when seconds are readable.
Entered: **10:53**
